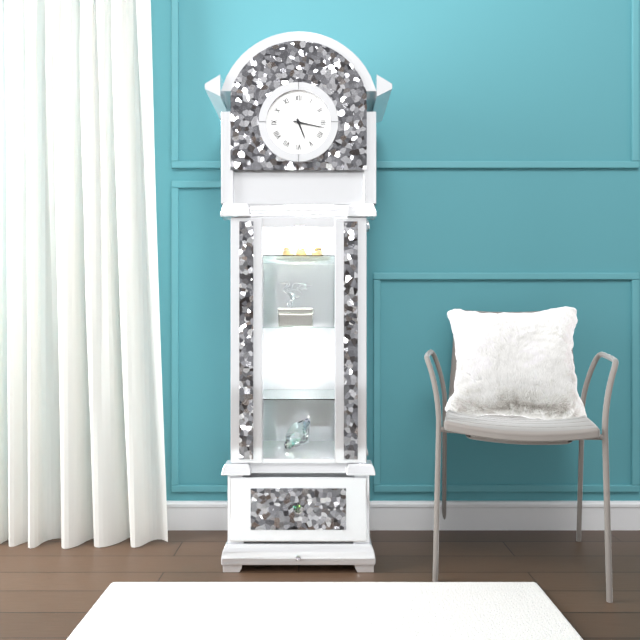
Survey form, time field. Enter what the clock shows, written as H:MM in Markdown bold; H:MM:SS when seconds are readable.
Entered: **5:17**
